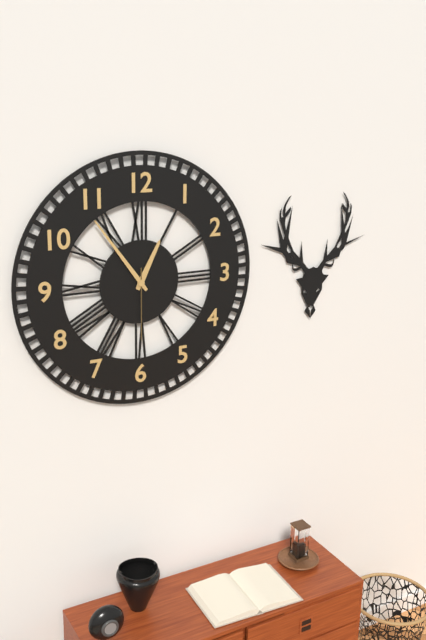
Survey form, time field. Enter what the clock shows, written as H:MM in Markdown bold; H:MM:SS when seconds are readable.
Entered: **12:54:30**
